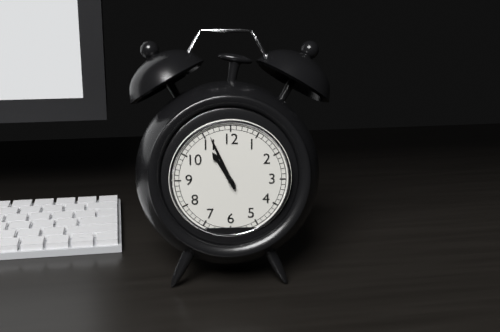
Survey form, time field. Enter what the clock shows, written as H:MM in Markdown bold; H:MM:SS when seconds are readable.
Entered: **10:56**
